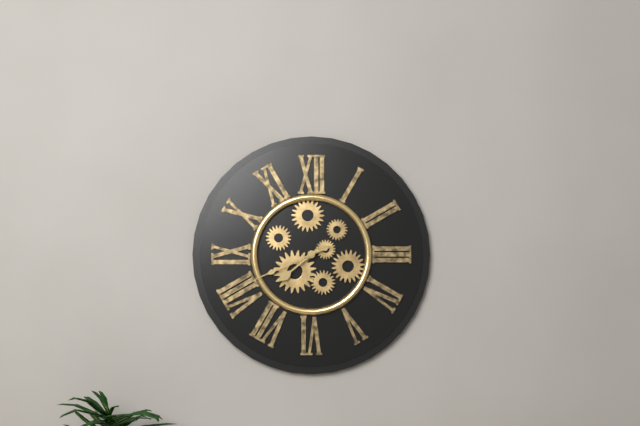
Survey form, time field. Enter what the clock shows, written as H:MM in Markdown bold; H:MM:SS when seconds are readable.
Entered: **7:41**
